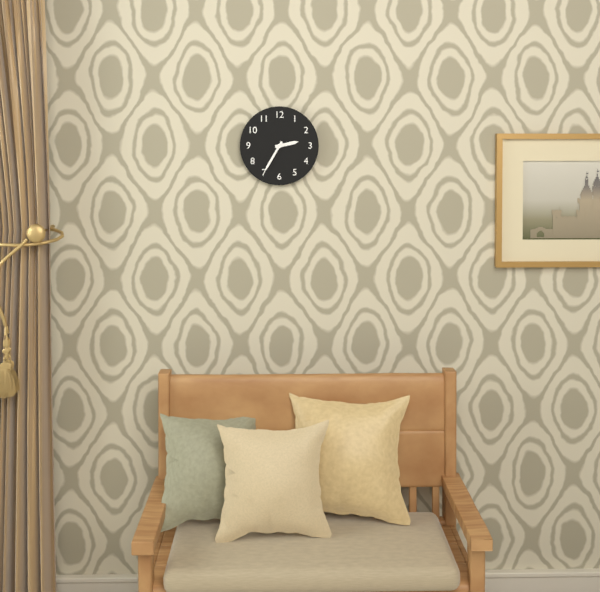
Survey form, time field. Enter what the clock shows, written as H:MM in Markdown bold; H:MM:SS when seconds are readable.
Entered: **2:35**
